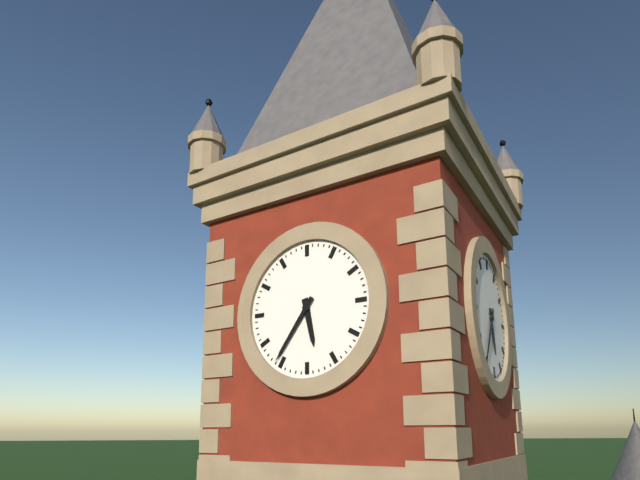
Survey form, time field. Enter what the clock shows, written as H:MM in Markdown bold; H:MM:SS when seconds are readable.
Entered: **5:36**
